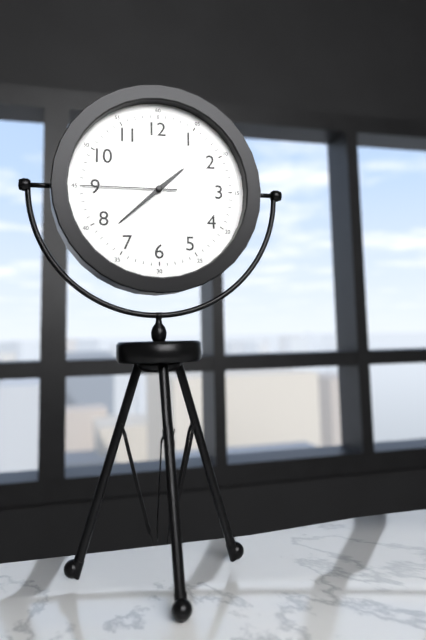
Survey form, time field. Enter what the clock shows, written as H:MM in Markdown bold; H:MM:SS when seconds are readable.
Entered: **1:38:45**
